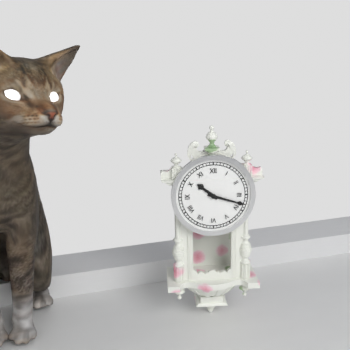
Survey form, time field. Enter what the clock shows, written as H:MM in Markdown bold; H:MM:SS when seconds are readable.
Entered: **10:18**
